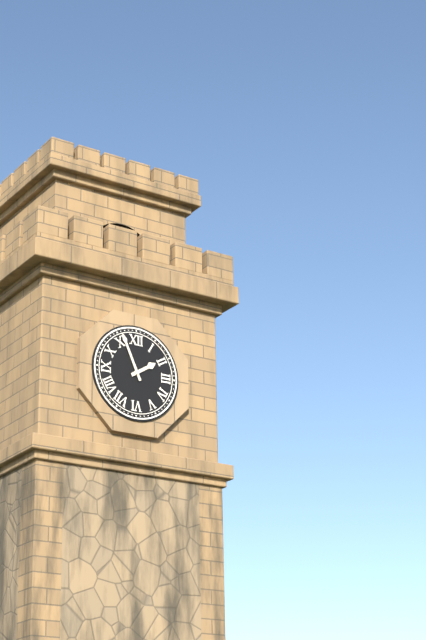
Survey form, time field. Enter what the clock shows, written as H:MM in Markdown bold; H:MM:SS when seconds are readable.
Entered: **1:56**
